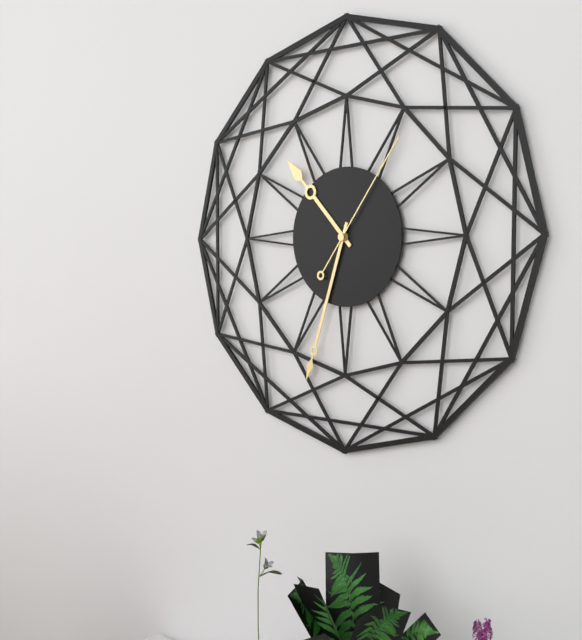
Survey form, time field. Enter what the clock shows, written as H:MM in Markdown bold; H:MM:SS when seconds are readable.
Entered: **10:33:06**
